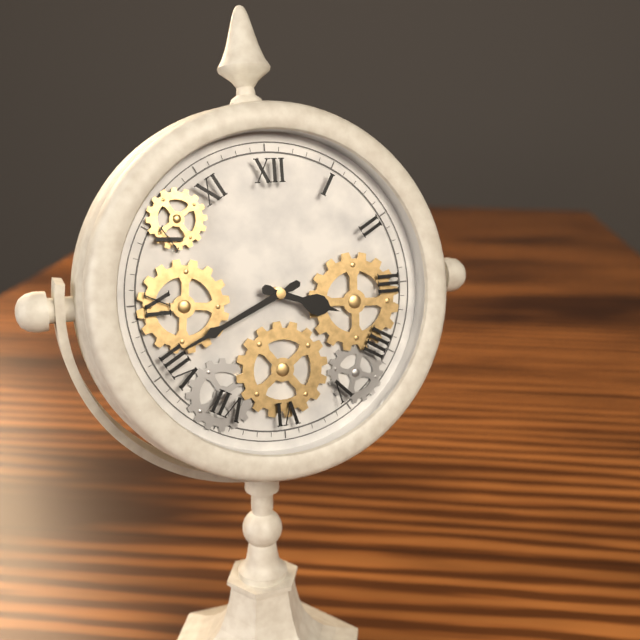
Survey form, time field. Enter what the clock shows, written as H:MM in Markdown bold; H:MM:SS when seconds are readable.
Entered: **3:41**
